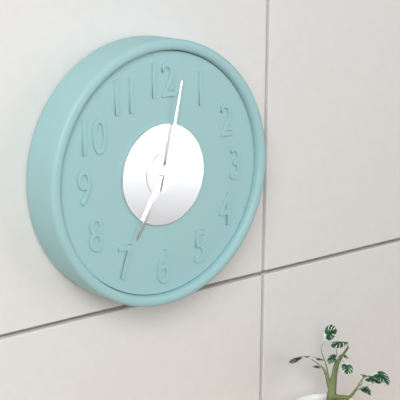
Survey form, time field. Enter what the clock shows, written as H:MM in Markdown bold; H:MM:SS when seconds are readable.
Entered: **7:02**
